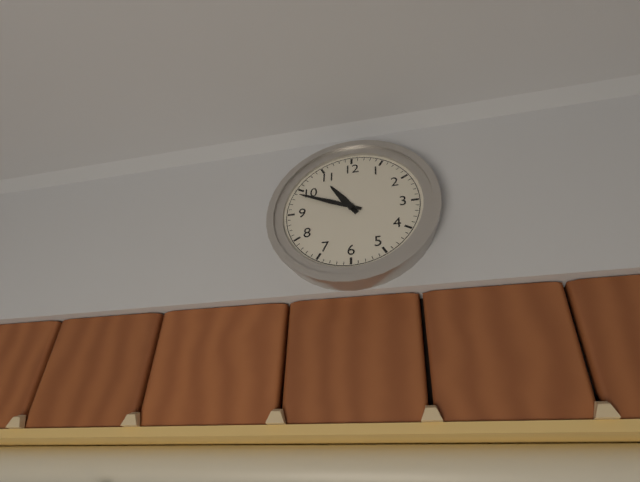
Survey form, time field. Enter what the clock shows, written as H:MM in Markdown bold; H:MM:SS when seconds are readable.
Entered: **10:49**
